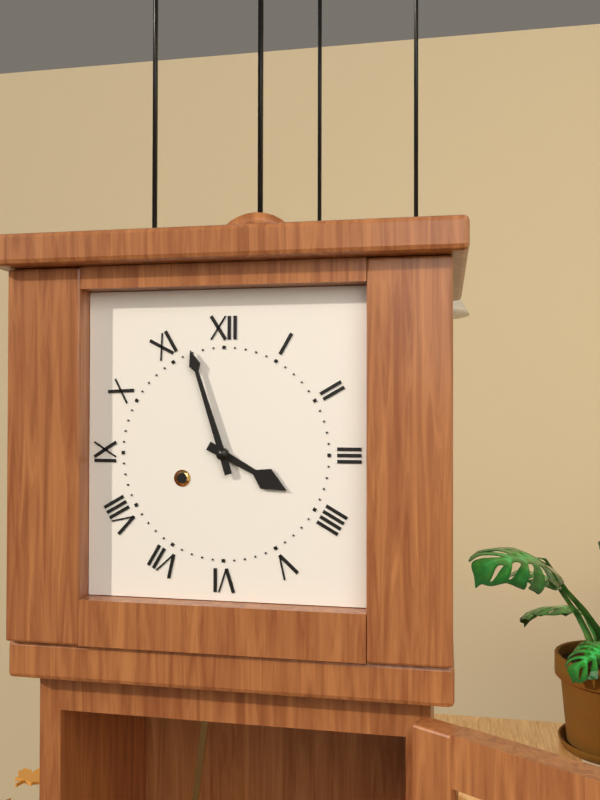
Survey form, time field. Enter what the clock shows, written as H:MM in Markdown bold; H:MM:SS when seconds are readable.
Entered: **3:57**
